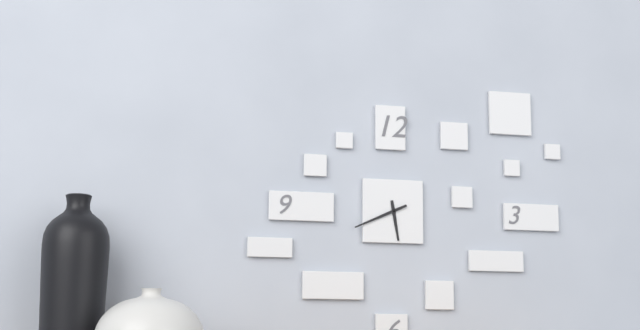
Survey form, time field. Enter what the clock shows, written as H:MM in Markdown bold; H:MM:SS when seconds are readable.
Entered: **5:41**
